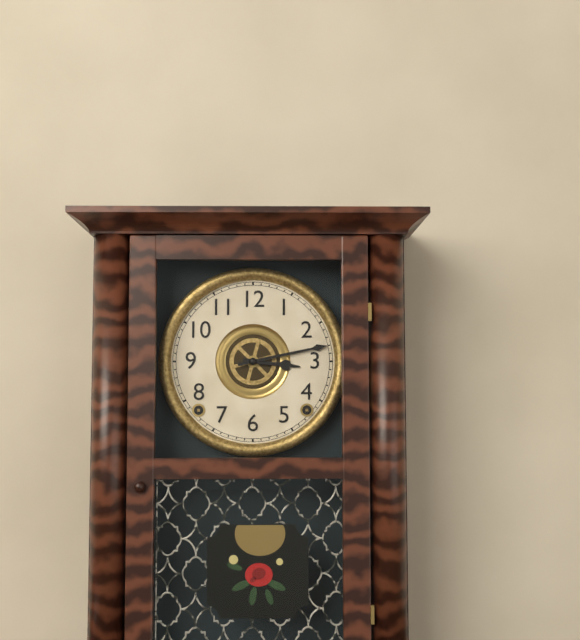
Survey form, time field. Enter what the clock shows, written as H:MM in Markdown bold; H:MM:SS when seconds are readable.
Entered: **3:13**
